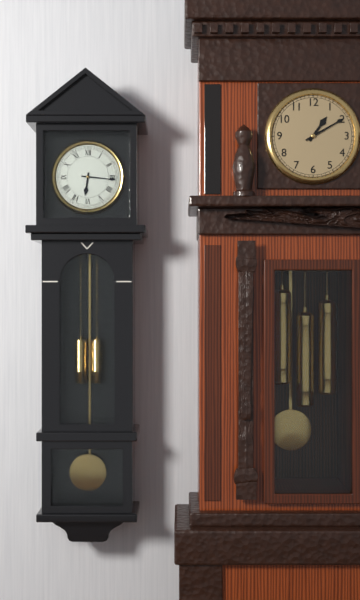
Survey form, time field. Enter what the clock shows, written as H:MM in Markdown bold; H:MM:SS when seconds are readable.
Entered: **6:16**
